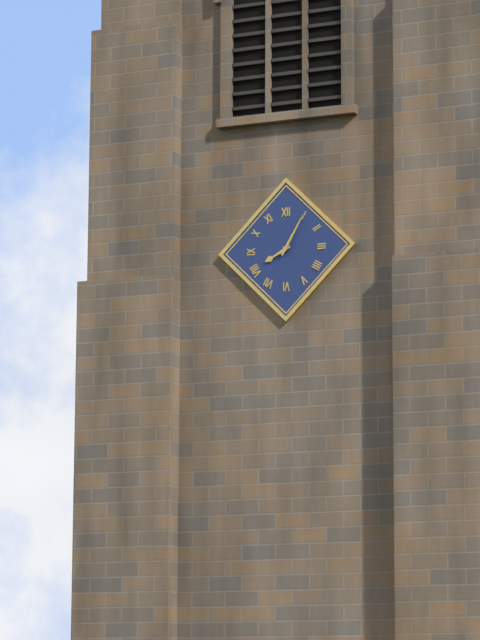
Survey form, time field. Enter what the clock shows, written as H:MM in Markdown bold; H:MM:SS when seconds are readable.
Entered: **8:05**
